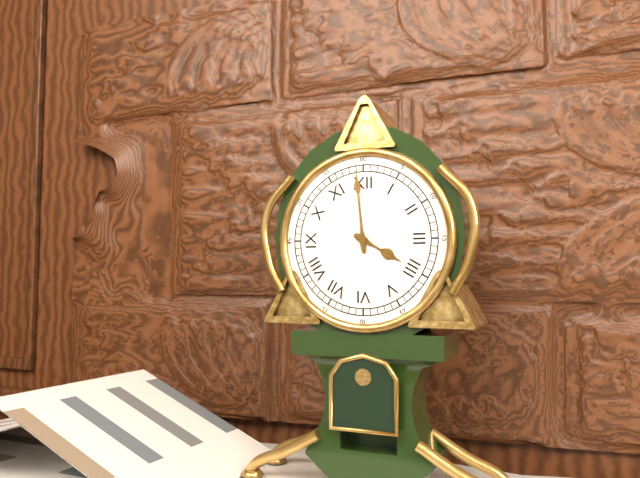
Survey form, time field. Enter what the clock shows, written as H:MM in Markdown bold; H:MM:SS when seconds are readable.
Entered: **3:59**
